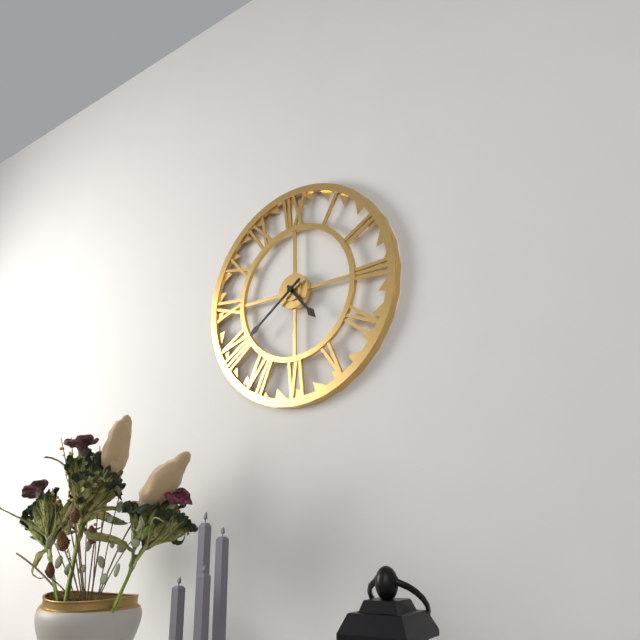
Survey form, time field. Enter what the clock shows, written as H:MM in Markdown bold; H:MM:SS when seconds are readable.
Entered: **4:39**
